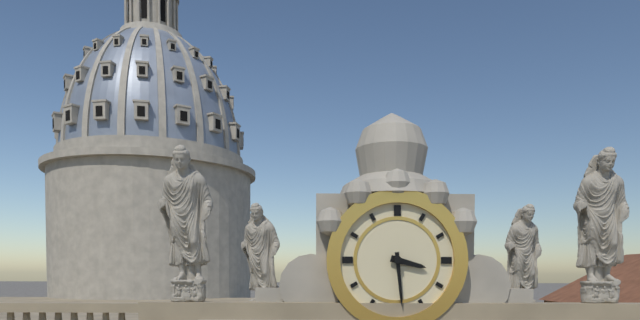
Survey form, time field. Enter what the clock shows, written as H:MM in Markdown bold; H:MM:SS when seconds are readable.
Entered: **3:29**
